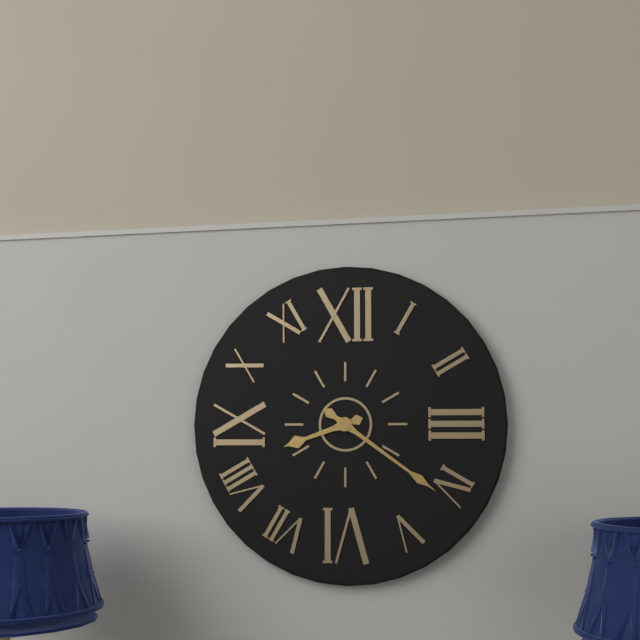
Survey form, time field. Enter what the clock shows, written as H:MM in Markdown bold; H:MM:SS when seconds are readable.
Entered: **8:21**
